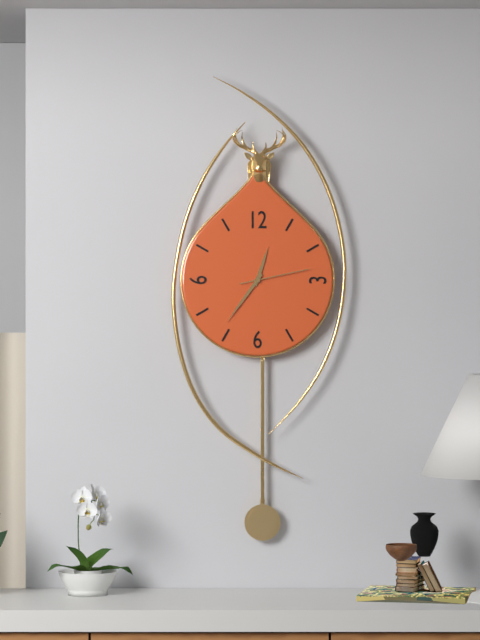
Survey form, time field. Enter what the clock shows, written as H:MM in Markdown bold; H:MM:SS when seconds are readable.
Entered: **12:36:13**
